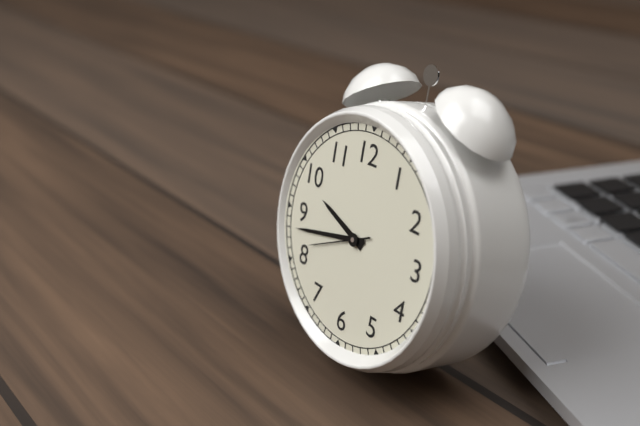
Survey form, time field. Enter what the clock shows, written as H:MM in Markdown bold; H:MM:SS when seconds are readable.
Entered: **9:43:41**
